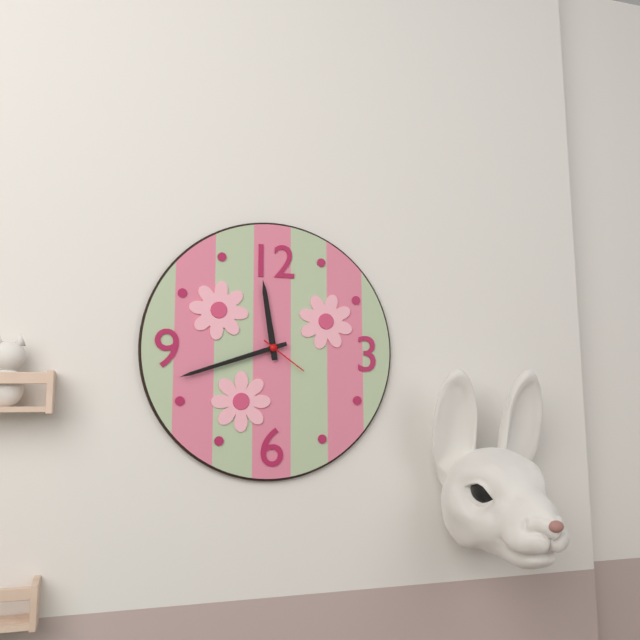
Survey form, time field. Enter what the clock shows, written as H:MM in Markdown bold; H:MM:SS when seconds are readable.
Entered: **11:42:21**
